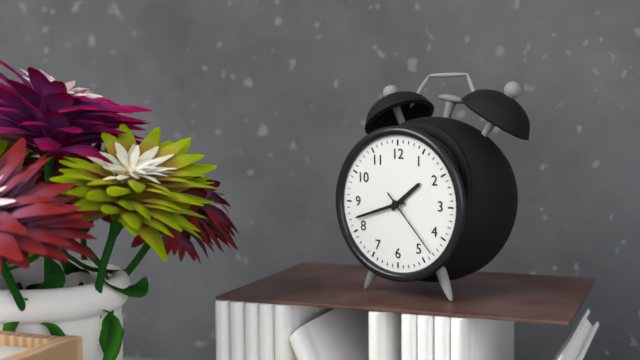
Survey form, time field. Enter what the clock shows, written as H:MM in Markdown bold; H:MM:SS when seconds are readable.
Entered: **1:42:23**
